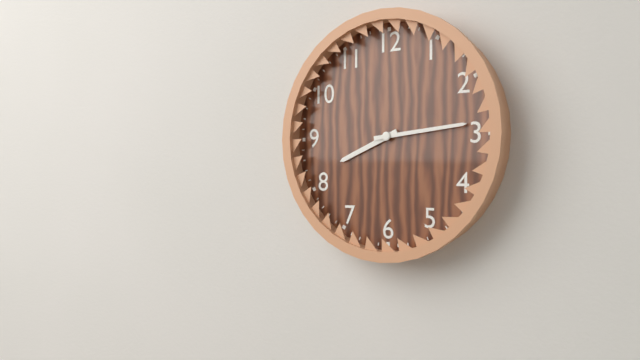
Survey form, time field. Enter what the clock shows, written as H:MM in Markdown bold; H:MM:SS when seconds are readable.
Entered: **8:14**
